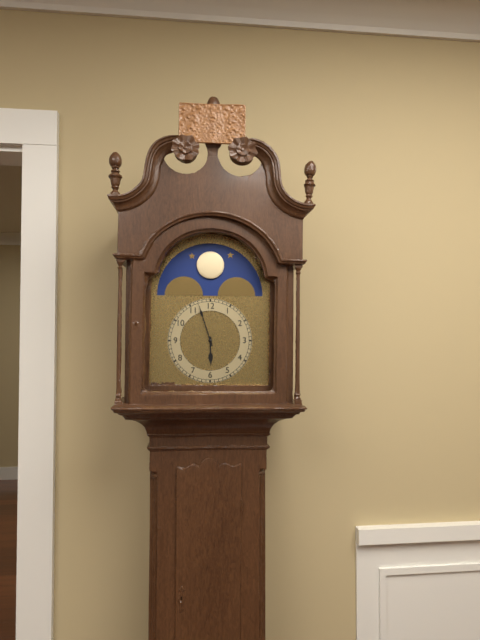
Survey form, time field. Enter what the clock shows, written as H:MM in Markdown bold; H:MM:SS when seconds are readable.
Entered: **5:57**
